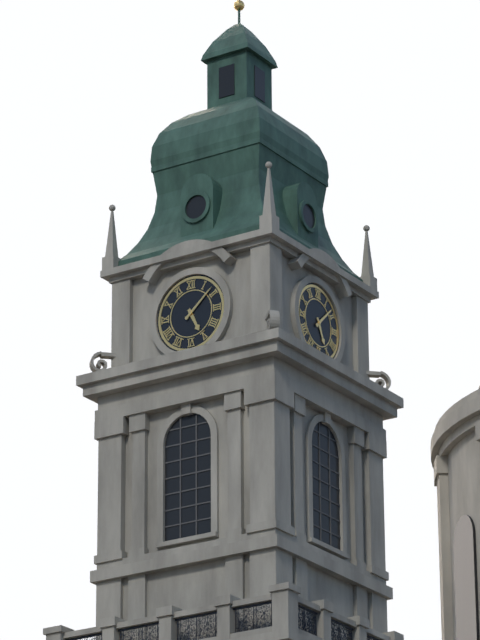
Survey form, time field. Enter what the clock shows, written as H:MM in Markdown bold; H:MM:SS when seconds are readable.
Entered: **5:08**
